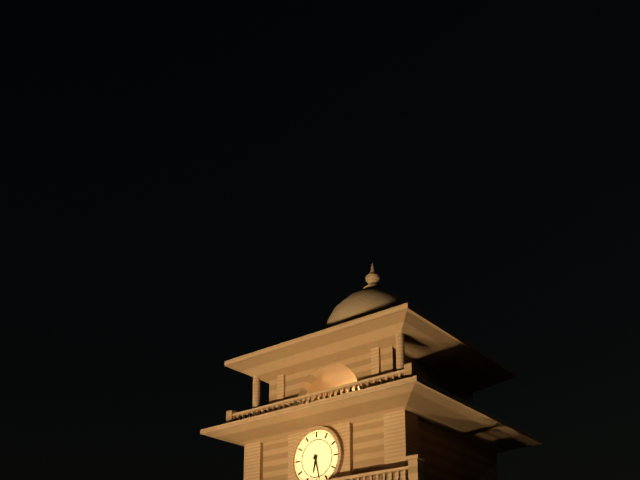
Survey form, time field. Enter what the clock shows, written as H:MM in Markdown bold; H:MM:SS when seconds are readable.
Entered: **6:28**
